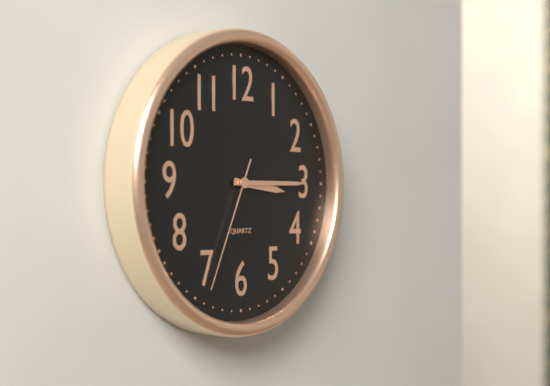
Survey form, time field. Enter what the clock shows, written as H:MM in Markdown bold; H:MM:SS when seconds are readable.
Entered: **3:15:34**
